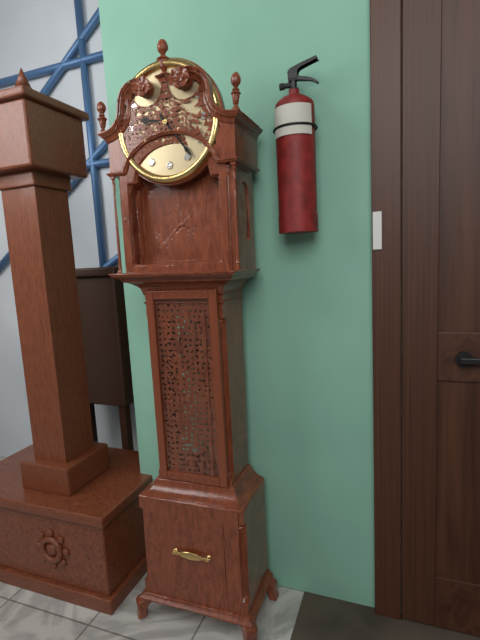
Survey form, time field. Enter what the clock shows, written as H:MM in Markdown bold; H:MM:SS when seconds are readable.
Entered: **9:24**
